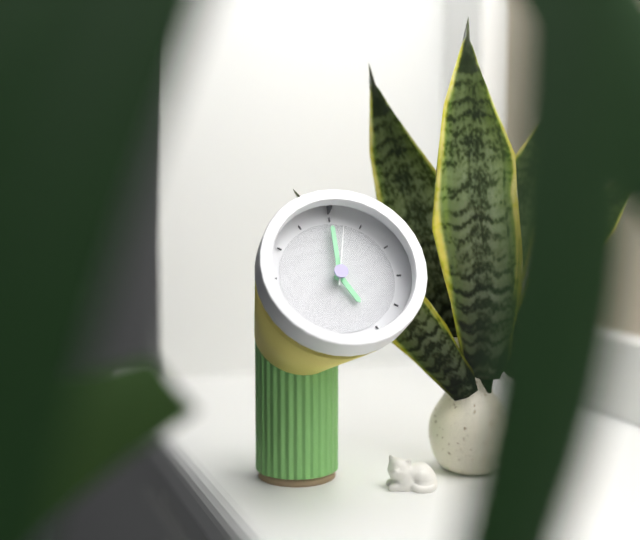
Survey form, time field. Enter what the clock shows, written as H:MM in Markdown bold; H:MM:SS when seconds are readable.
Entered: **5:00:02**
